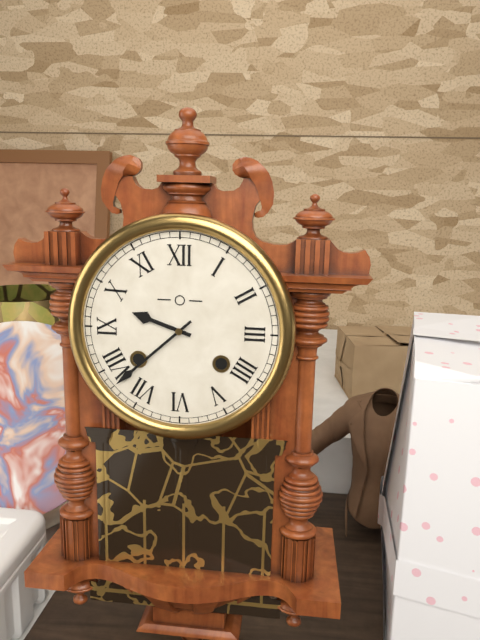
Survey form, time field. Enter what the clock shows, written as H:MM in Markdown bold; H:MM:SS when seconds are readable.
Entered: **9:38**
